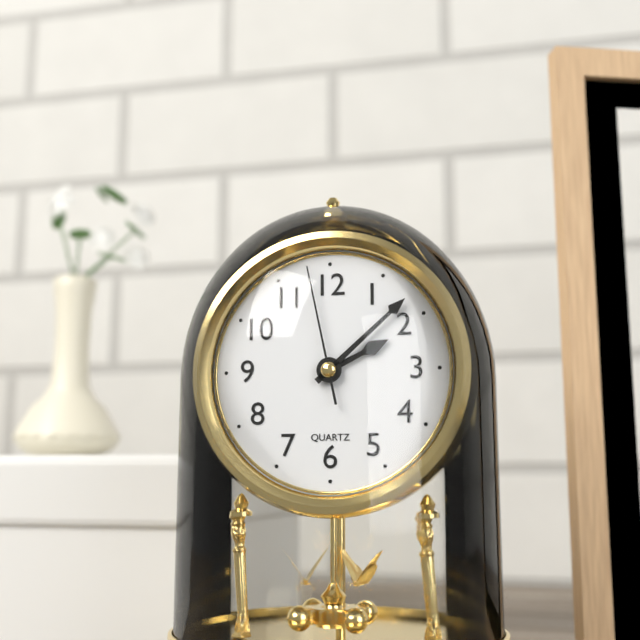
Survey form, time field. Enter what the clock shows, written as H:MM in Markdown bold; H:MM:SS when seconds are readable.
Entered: **2:08:58**
